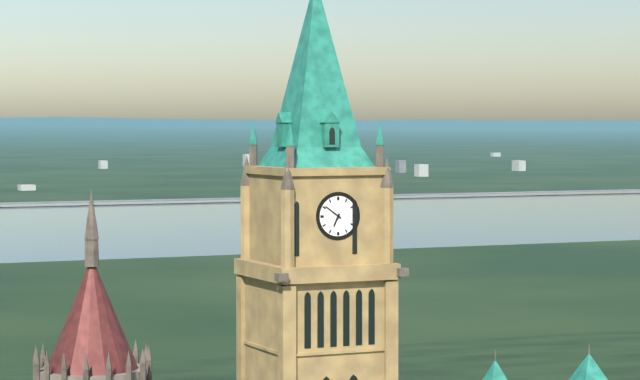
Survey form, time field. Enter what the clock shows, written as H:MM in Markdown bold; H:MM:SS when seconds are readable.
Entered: **6:51**
